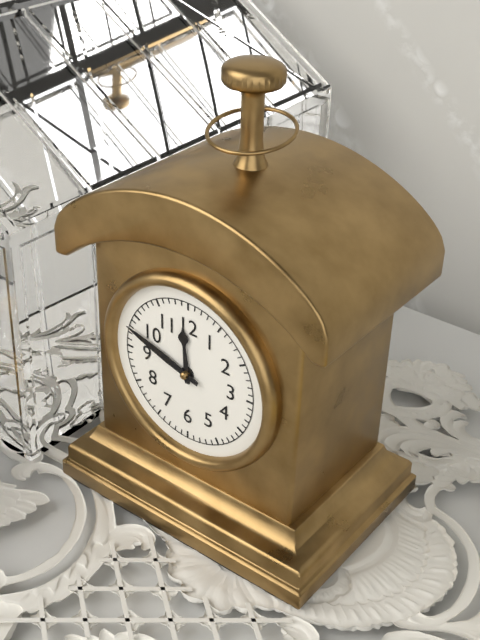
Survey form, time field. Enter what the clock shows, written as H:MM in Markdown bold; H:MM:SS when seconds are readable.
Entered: **11:48**
